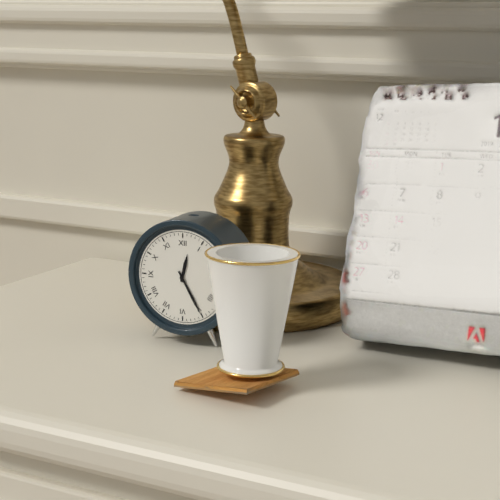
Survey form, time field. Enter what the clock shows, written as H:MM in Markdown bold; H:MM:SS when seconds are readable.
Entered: **12:25**
